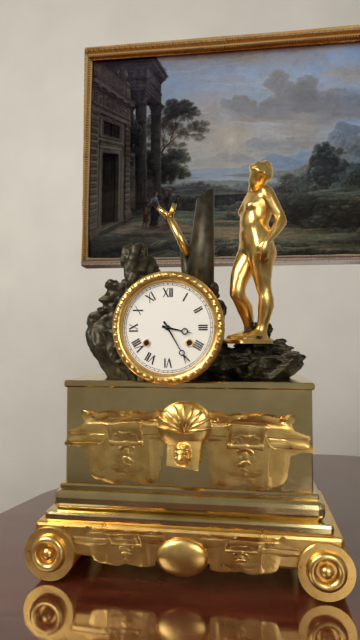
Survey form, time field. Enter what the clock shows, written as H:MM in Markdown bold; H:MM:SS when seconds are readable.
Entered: **3:25**
